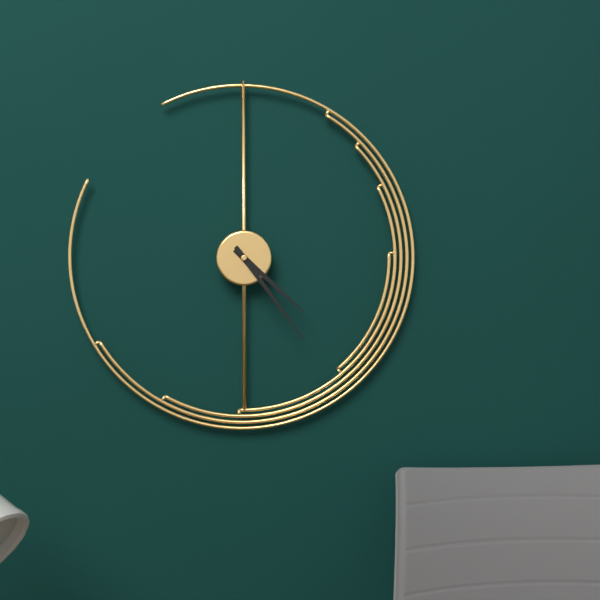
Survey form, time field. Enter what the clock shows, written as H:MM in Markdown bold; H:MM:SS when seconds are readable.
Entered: **4:24**
